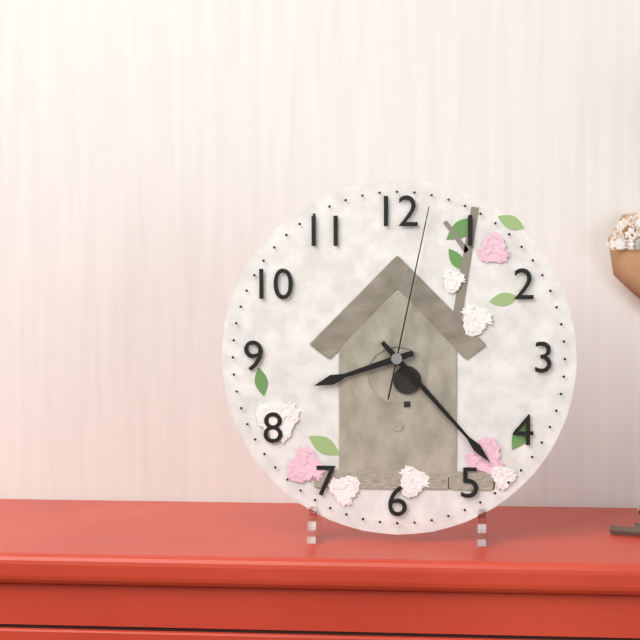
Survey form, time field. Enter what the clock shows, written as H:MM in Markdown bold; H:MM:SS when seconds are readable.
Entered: **8:23:02**
